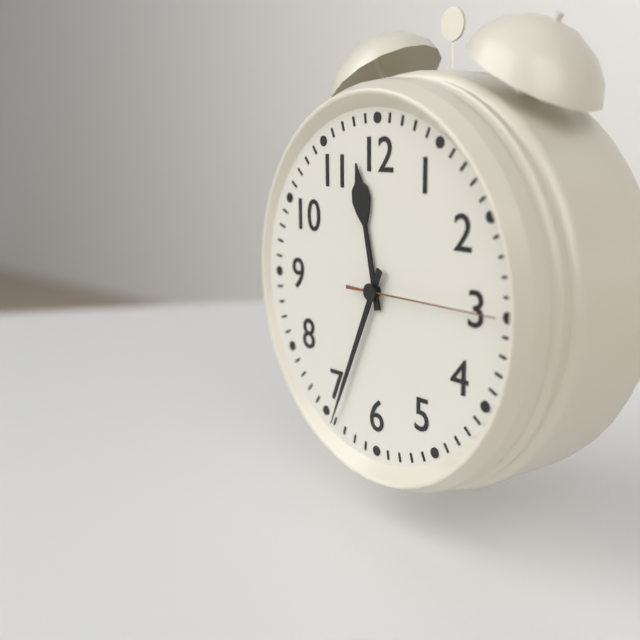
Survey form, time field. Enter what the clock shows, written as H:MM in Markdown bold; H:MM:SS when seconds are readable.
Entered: **11:34:15**
